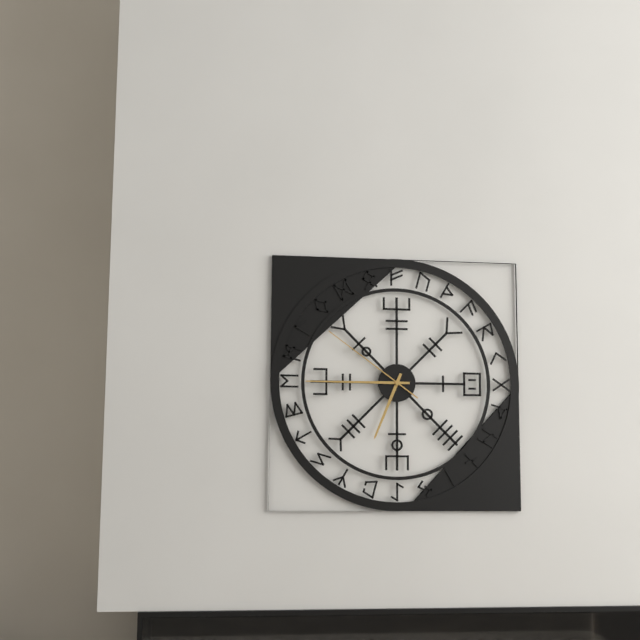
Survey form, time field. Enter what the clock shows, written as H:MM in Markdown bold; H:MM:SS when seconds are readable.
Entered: **6:45:51**
